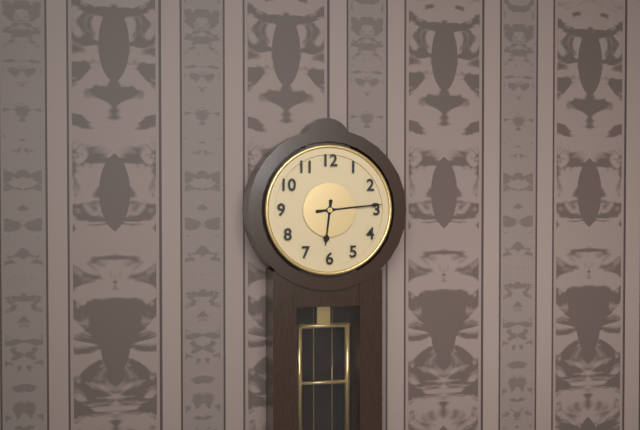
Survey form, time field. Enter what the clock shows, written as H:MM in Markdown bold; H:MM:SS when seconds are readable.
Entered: **6:14**
